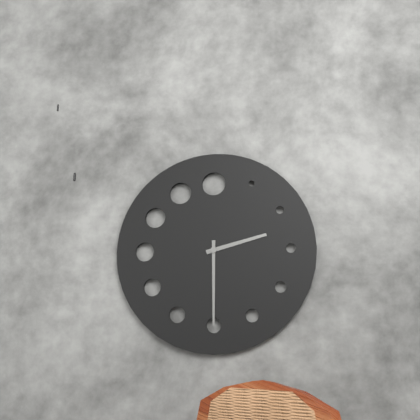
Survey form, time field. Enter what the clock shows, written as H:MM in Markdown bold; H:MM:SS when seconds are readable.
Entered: **2:30**
